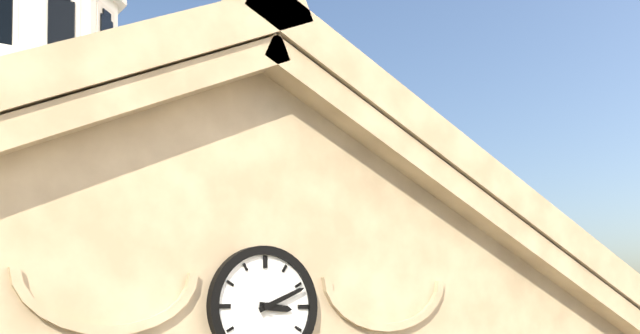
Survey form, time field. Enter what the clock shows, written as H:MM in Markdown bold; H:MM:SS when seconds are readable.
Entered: **3:11**
